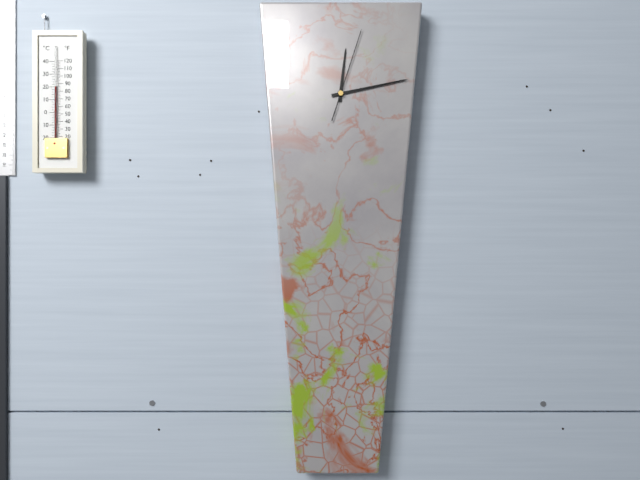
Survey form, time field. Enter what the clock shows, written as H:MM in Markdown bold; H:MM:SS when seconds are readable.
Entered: **12:13:03**
